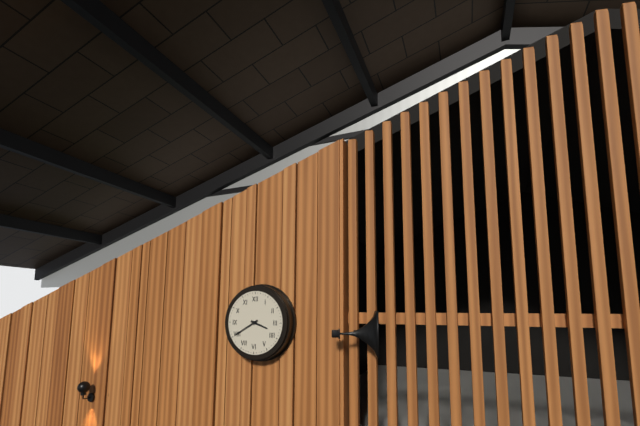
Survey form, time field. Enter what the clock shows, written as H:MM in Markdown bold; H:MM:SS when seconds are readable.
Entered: **3:40**
